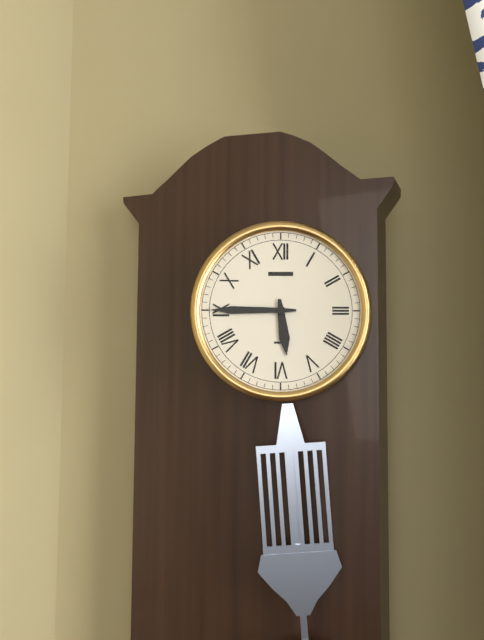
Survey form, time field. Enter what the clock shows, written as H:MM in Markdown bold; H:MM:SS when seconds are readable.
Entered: **5:45**
